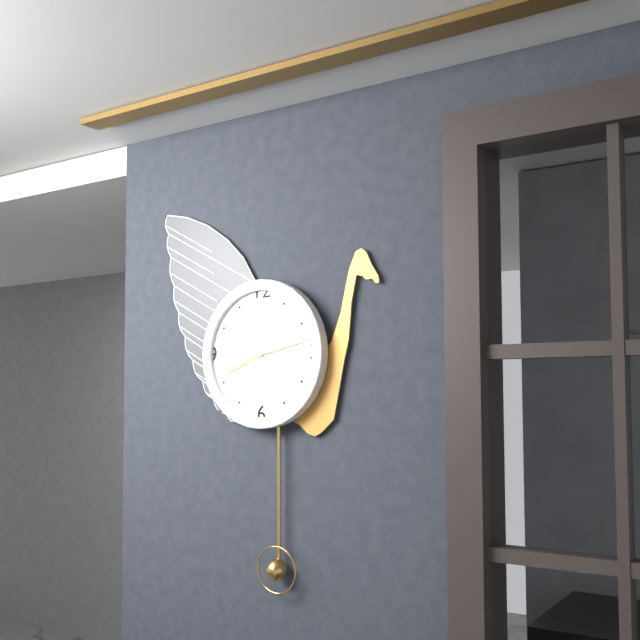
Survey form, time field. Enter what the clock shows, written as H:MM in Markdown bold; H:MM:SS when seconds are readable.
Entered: **8:13**
